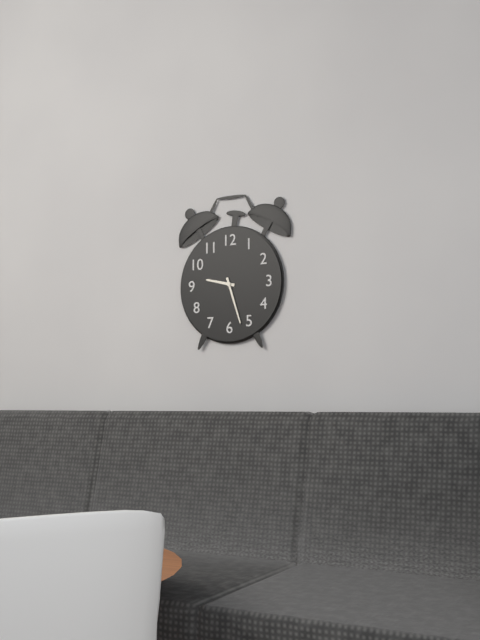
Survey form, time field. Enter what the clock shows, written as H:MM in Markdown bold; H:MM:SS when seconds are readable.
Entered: **9:27**
